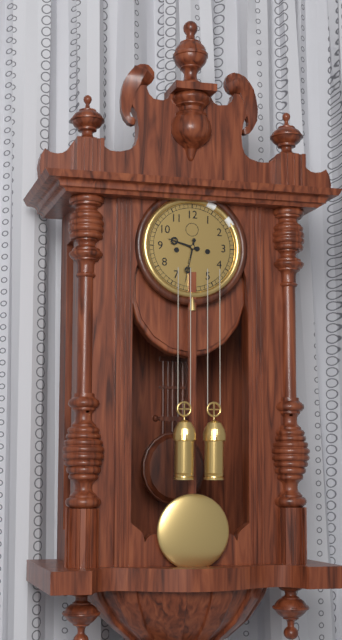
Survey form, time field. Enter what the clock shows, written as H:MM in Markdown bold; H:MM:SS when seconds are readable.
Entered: **9:32**
